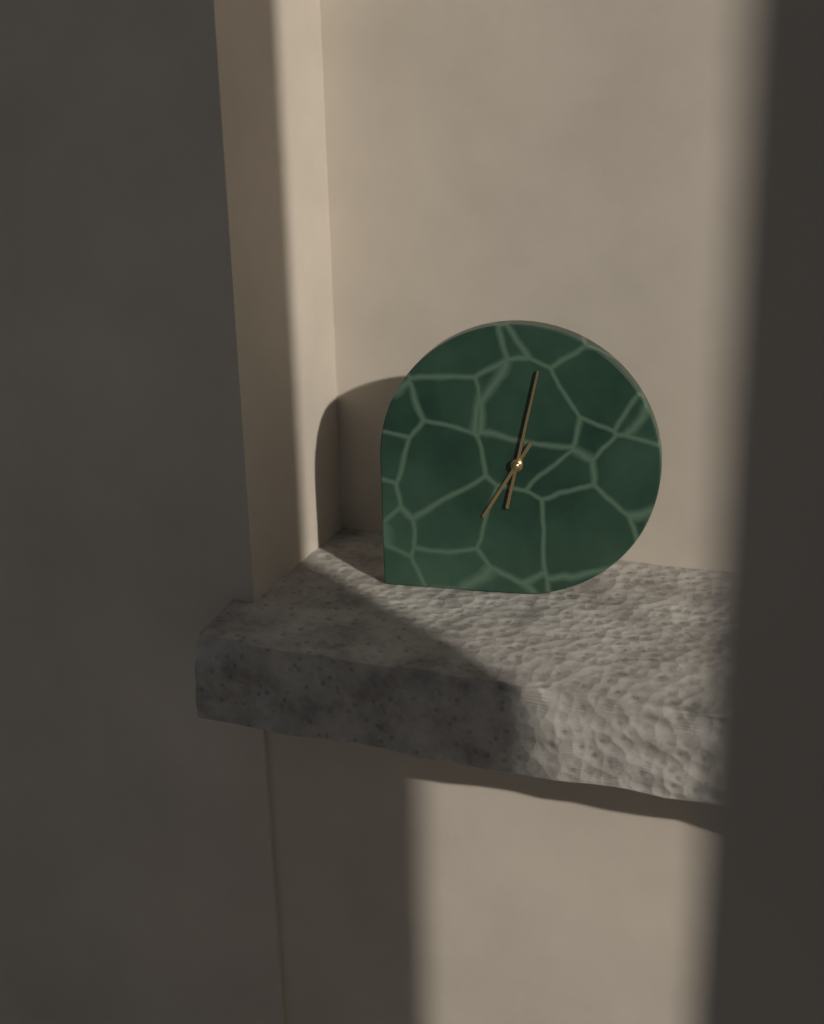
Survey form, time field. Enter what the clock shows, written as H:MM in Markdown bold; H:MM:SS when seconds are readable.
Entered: **7:02**
